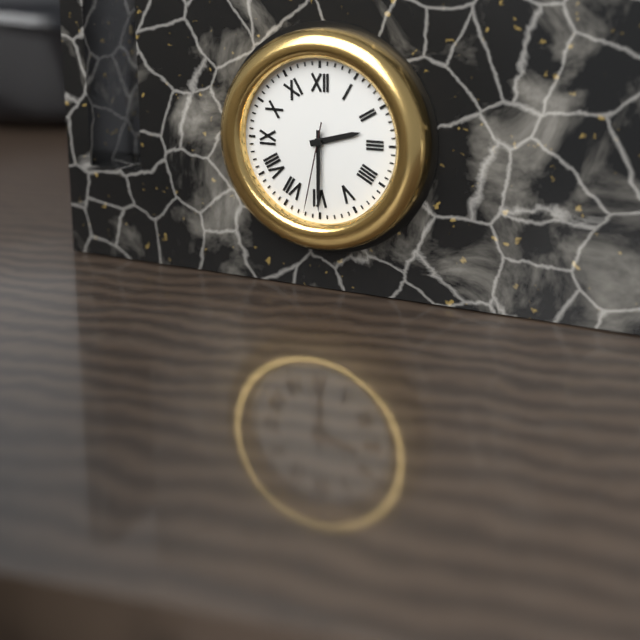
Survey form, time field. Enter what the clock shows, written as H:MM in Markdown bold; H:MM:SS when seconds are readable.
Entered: **2:30:32**
